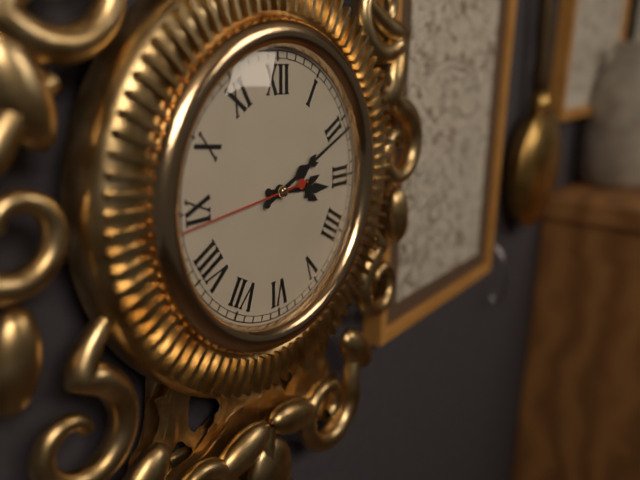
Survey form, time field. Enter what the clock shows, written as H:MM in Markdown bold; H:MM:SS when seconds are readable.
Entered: **3:11:44**
